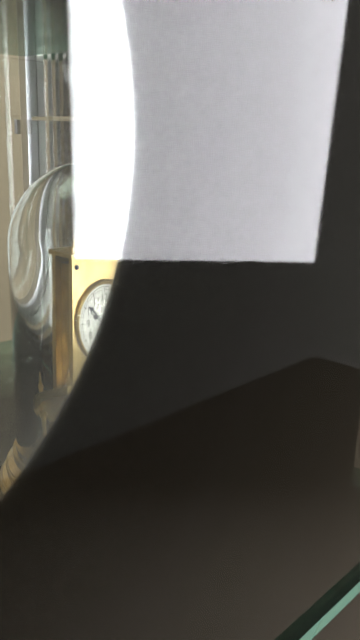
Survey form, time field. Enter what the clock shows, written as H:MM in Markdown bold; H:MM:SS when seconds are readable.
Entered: **9:51**
